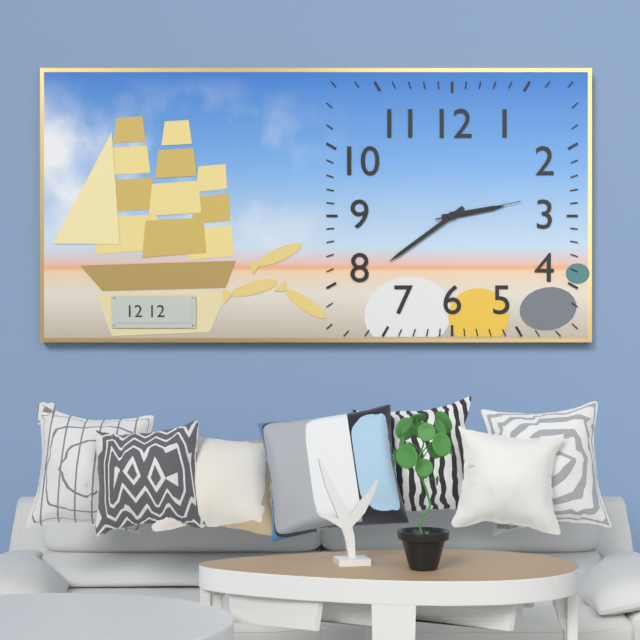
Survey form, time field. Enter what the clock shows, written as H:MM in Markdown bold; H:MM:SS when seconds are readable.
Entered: **2:39:13**
